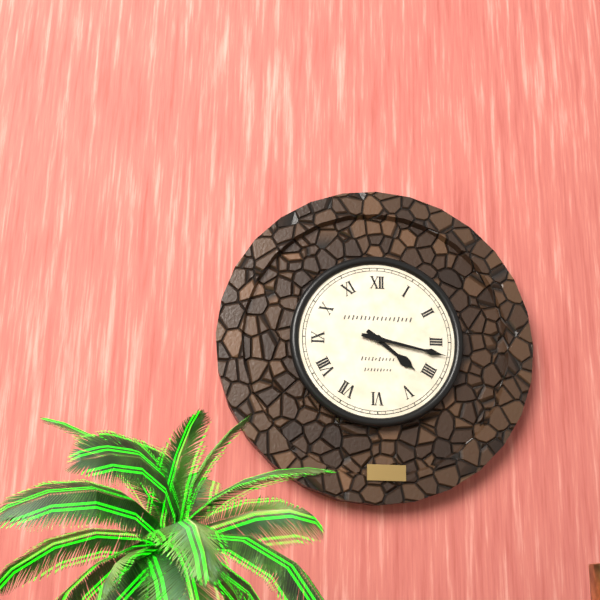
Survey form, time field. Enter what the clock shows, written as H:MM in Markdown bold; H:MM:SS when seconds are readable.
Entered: **4:17**
